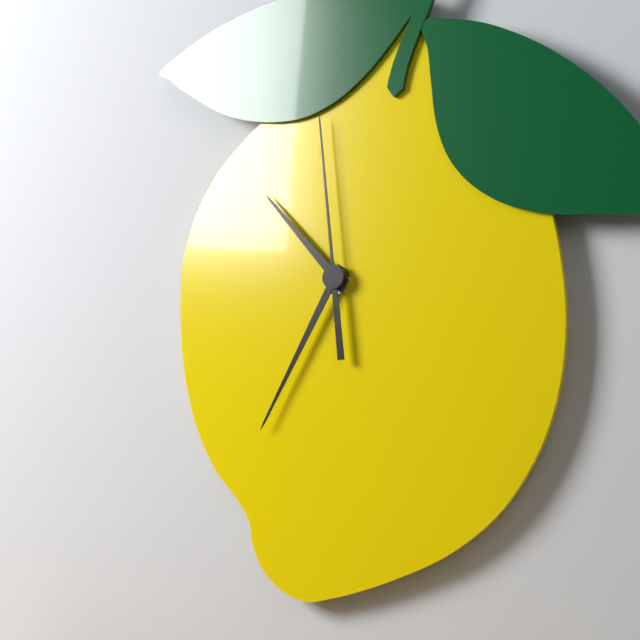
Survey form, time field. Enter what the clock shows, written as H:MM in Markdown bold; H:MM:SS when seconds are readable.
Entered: **10:35:59**
